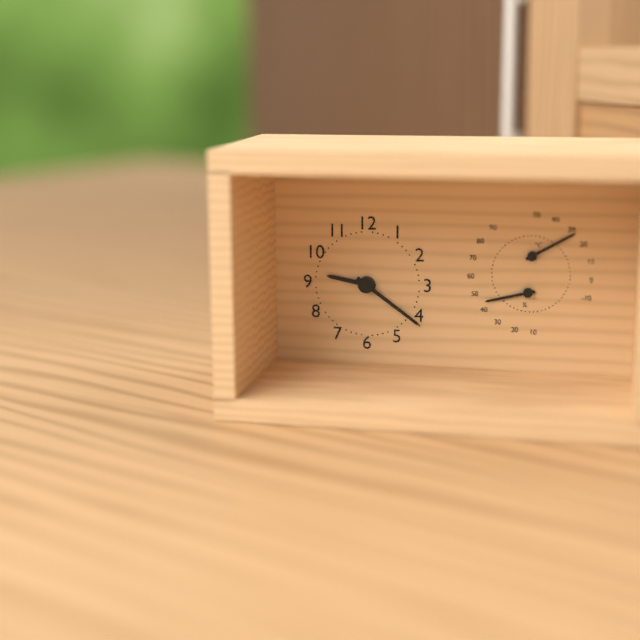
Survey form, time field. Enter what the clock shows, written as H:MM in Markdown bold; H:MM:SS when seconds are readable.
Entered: **9:21**
